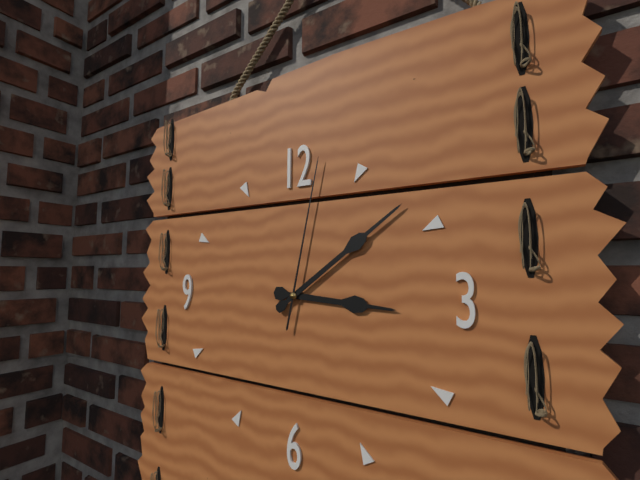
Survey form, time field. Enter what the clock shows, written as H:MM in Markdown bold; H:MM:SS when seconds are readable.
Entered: **3:09:02**
